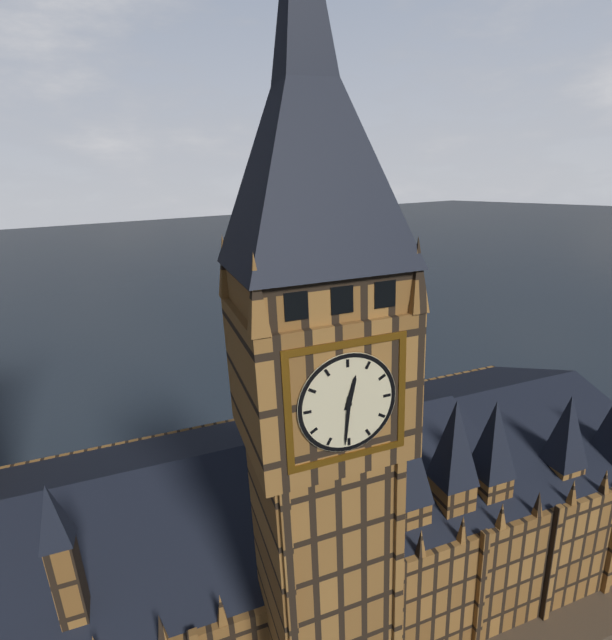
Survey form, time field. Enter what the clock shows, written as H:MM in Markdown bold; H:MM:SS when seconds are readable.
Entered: **12:31**
